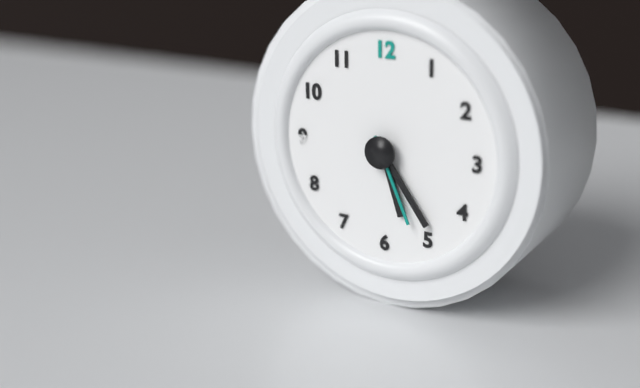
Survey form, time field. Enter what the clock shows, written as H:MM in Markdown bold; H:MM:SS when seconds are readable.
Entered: **5:24:26**
